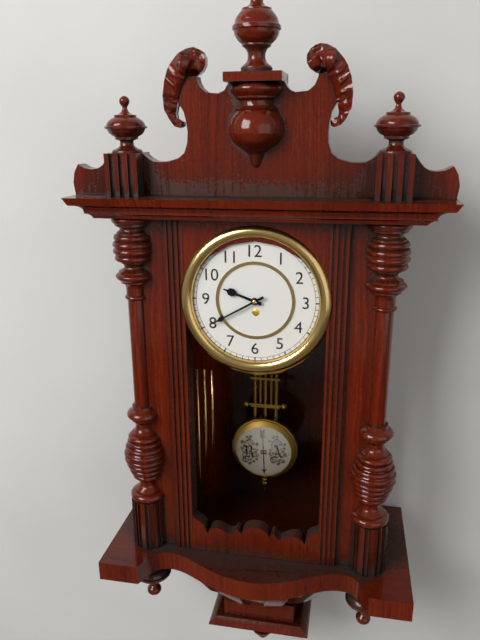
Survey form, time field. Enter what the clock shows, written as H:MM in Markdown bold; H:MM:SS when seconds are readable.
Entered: **9:40**
